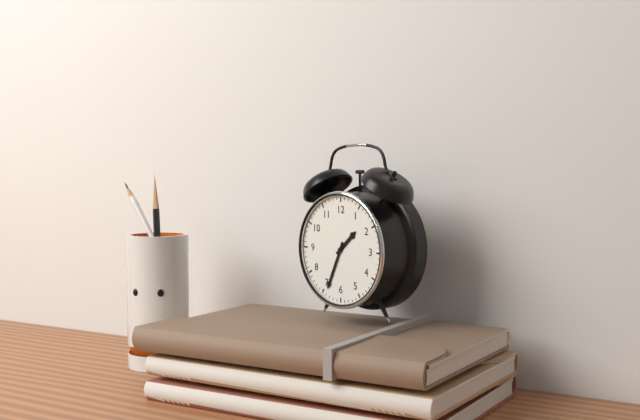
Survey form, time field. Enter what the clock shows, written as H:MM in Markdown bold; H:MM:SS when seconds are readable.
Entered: **1:34**
